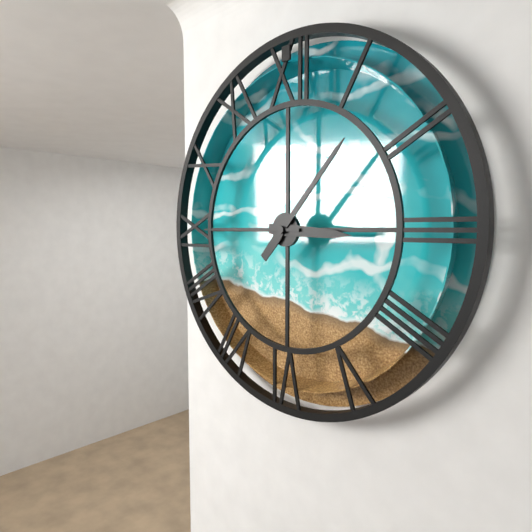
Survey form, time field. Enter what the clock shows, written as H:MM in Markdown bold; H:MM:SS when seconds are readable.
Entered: **3:07:45**
